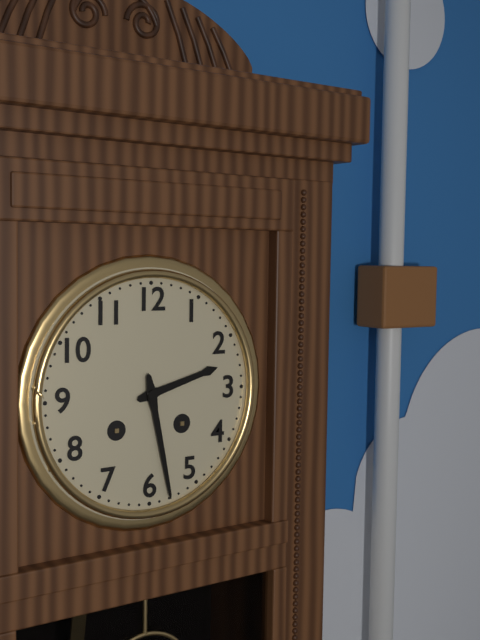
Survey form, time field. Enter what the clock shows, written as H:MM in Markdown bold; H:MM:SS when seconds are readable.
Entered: **2:28**
